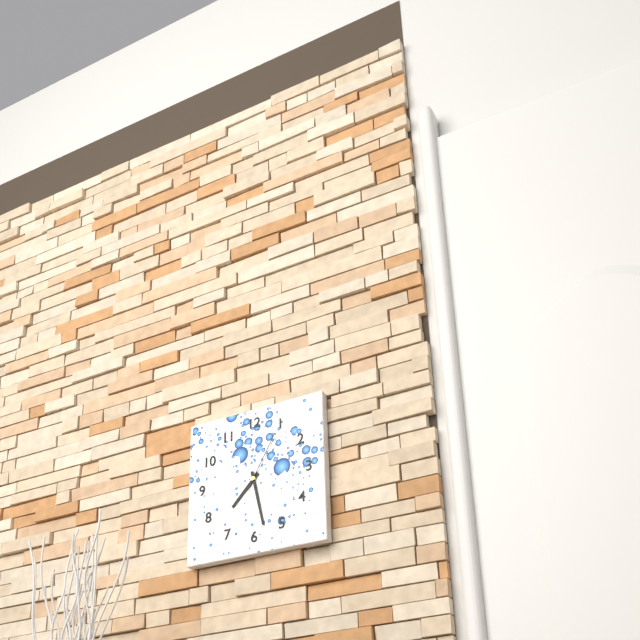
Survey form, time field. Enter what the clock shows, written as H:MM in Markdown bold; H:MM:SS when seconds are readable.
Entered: **7:28:05**
